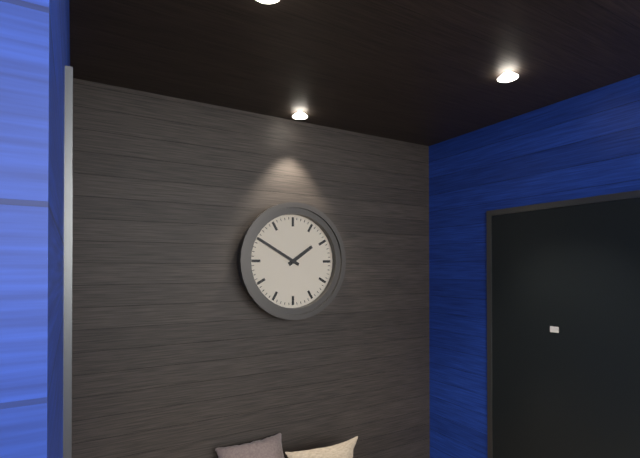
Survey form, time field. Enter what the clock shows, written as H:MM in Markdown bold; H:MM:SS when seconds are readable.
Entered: **1:50**
